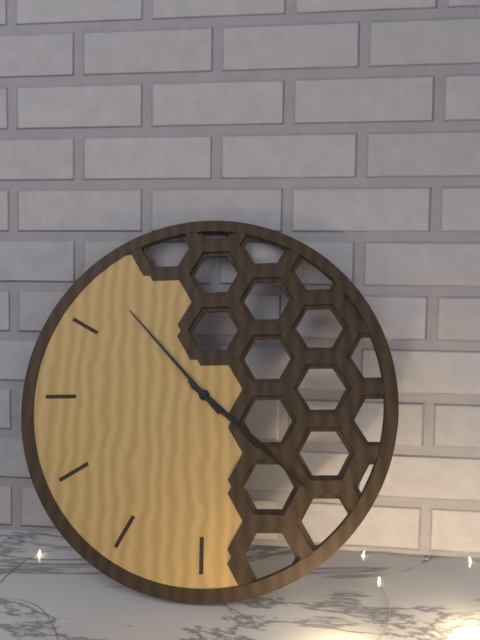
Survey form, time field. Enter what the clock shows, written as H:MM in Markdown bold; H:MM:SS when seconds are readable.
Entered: **4:22:53**
